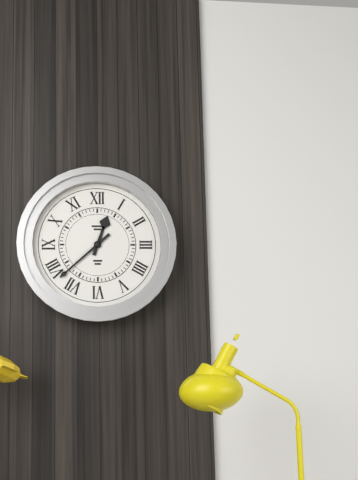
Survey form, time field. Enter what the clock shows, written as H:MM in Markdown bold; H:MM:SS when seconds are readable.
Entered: **12:38**
